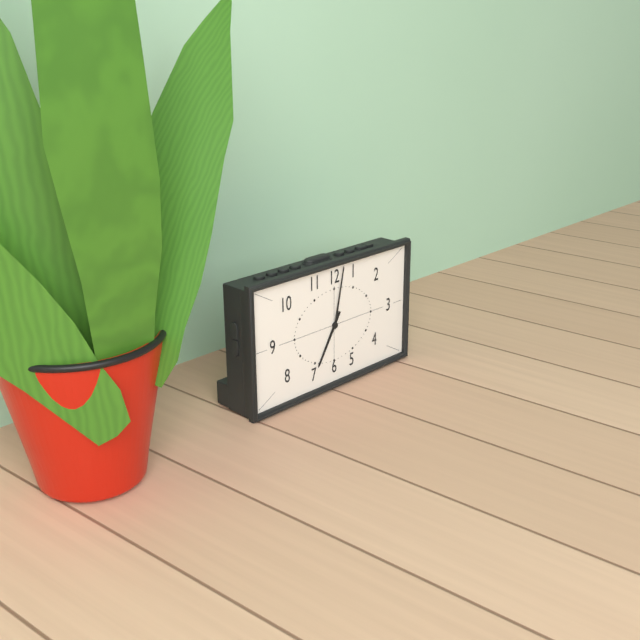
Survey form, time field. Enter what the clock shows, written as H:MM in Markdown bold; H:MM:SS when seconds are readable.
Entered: **7:02**
